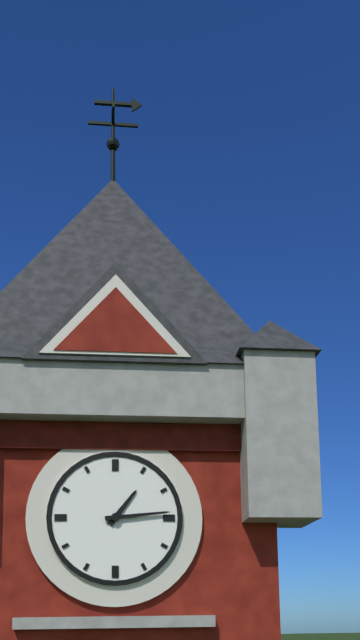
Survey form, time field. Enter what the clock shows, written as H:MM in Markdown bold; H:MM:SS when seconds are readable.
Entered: **1:14**
